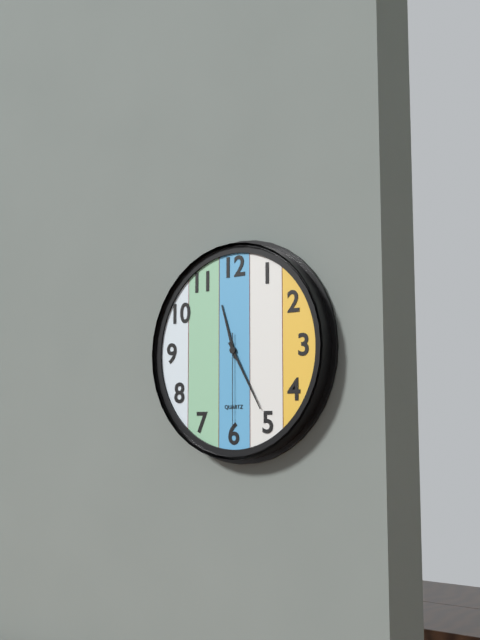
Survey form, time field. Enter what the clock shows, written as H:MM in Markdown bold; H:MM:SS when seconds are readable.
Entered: **11:25:30**
